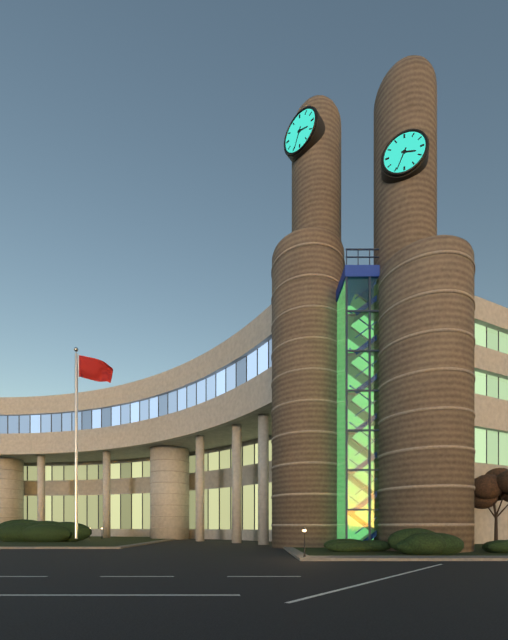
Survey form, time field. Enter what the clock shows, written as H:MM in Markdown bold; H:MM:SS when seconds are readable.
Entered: **3:34**
